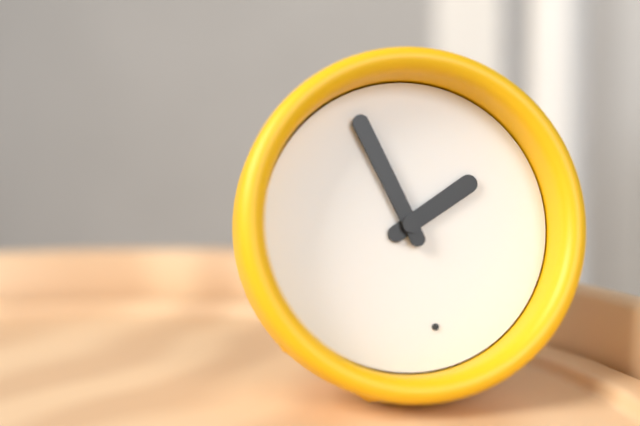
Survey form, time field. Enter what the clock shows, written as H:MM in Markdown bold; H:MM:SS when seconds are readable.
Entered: **1:56**
